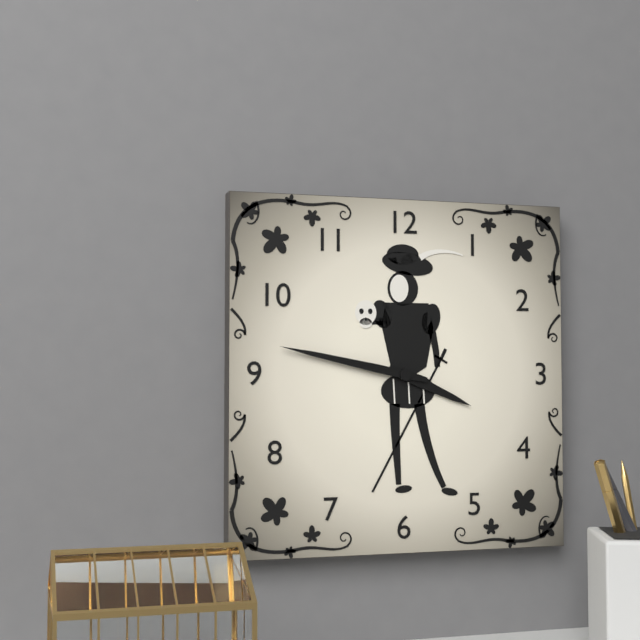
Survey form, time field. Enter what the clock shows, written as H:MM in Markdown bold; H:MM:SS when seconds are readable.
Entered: **3:47**
